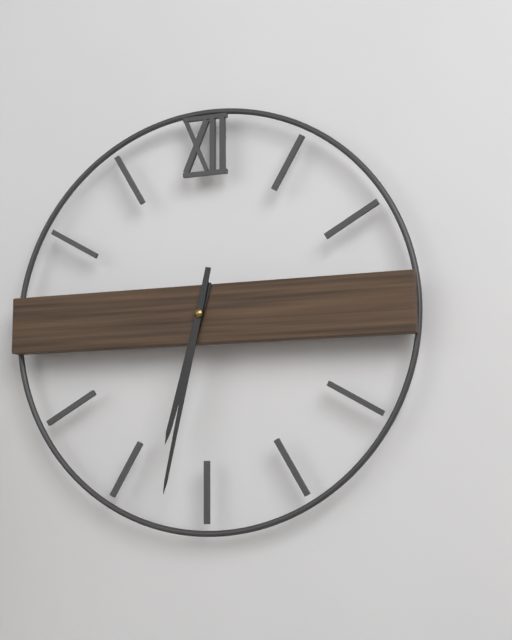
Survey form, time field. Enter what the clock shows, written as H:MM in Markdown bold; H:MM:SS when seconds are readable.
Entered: **6:32**
